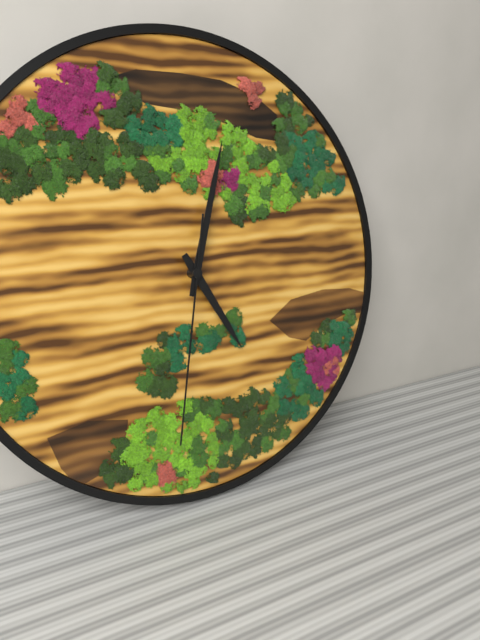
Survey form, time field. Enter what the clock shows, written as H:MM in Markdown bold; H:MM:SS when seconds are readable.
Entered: **5:03:32**
